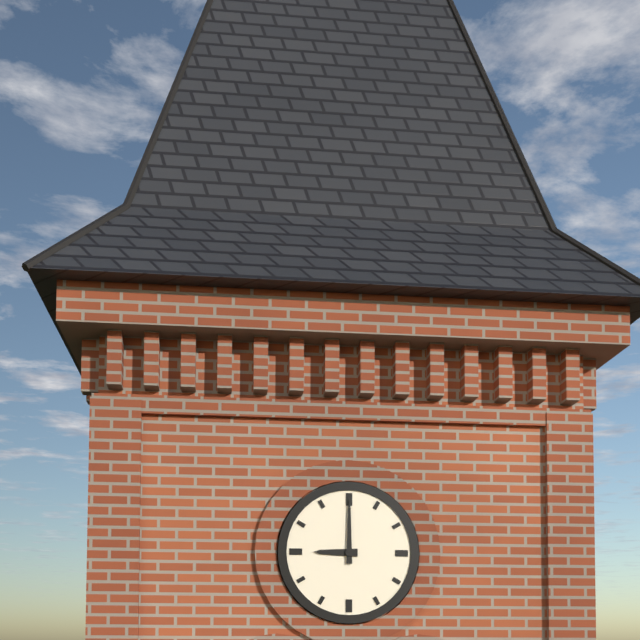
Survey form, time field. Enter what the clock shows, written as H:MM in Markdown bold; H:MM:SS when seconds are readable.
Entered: **9:00**
